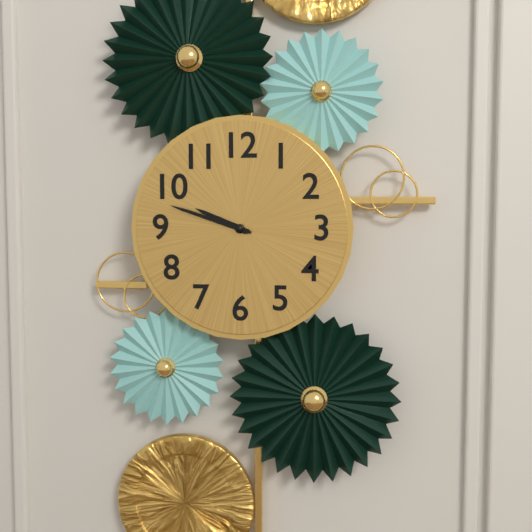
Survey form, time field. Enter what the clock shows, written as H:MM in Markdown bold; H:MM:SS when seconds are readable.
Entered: **9:48**
